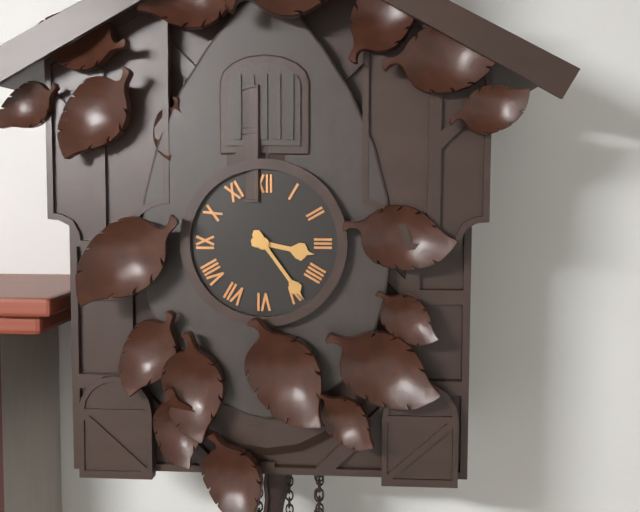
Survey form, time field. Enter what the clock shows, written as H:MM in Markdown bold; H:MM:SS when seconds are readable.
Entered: **3:24**
